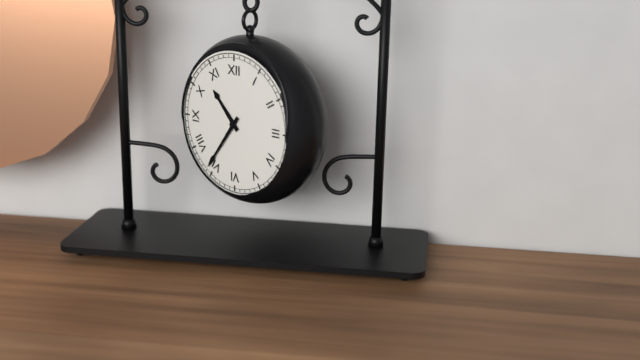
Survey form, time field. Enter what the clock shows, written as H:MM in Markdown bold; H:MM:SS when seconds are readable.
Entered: **10:36**
